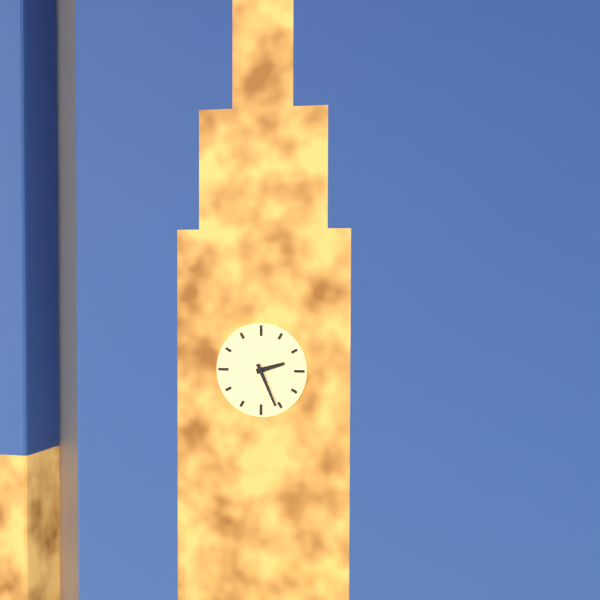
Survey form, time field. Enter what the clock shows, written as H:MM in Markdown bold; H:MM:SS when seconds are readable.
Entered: **2:26**
